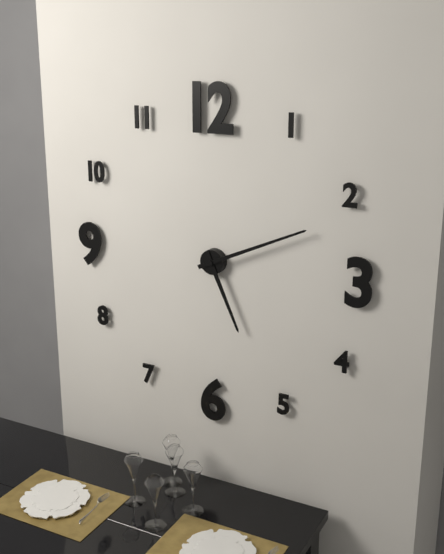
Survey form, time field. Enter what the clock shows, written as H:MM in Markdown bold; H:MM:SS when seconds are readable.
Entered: **5:11**
